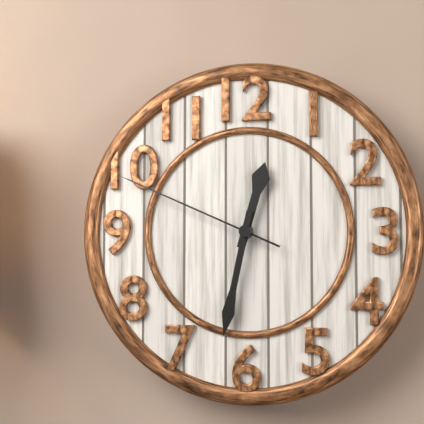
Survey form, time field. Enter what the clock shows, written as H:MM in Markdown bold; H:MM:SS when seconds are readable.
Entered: **12:32:49**
